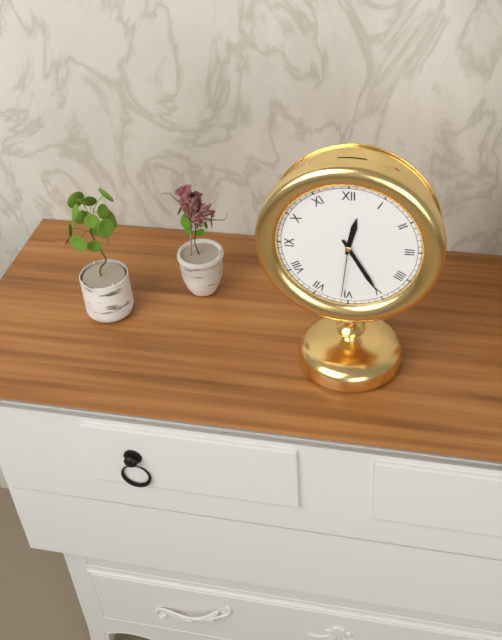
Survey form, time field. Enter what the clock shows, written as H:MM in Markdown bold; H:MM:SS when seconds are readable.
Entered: **12:25:31**
